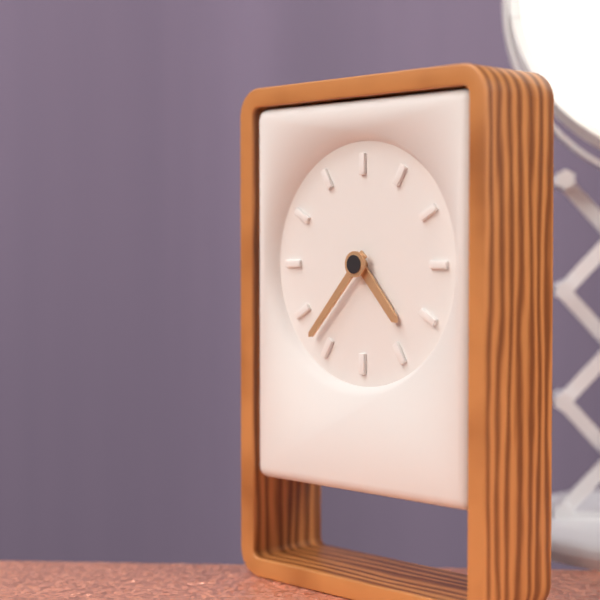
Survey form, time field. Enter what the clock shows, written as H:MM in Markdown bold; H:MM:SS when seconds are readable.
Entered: **4:37**
